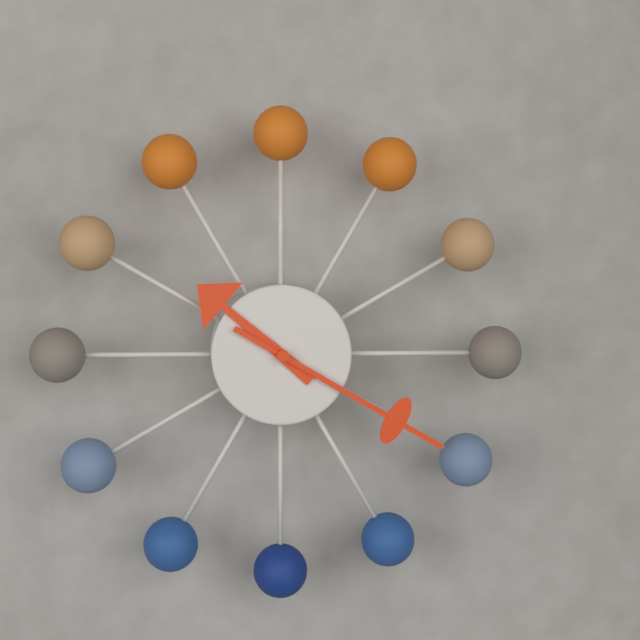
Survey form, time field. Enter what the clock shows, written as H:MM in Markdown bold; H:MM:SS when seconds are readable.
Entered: **10:20**
